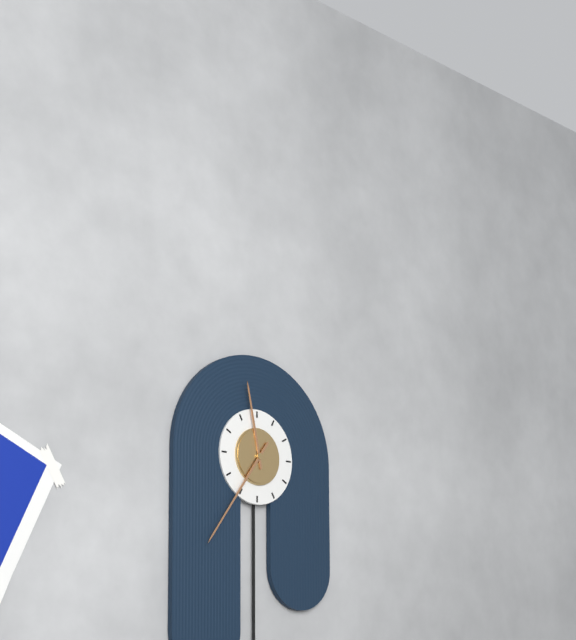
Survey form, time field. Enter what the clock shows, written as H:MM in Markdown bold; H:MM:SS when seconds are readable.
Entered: **11:36**
